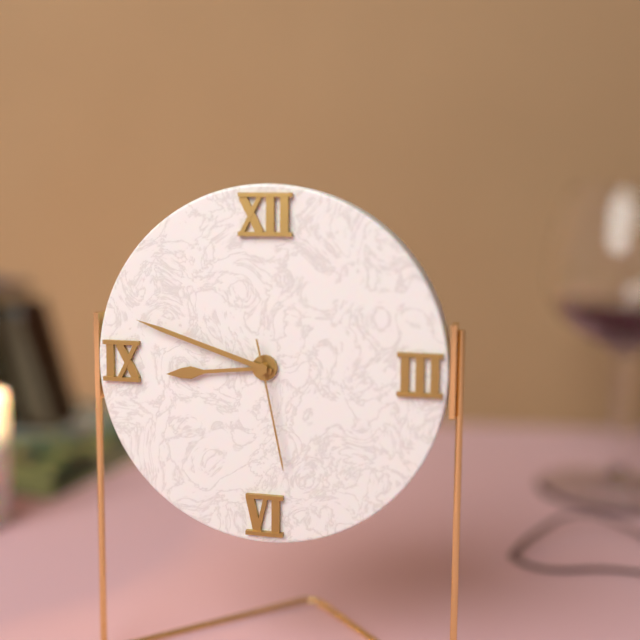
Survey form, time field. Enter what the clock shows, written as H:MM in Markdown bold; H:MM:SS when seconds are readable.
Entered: **8:48:28**
